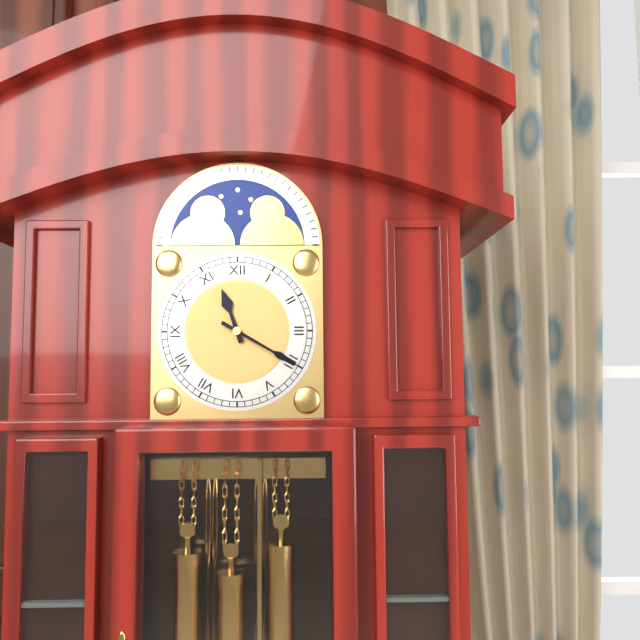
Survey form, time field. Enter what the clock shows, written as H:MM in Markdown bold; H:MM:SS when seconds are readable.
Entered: **11:20**
